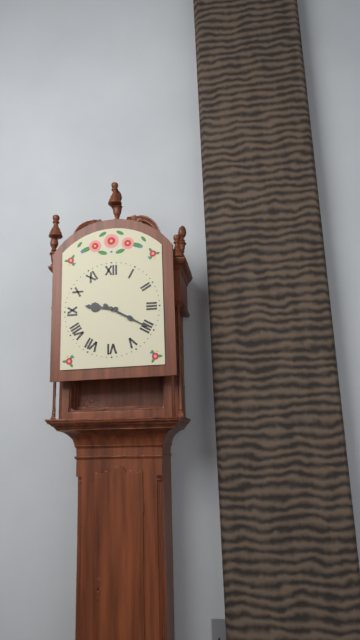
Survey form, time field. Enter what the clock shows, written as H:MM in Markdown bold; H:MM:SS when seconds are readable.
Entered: **9:20**
